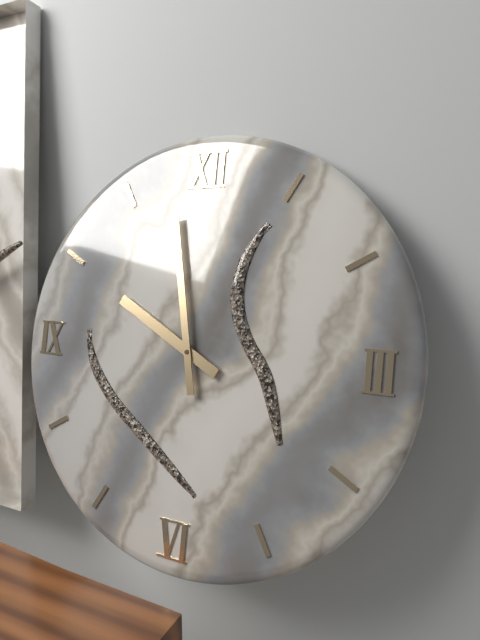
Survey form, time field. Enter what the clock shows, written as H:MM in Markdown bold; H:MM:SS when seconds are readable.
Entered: **9:58**
